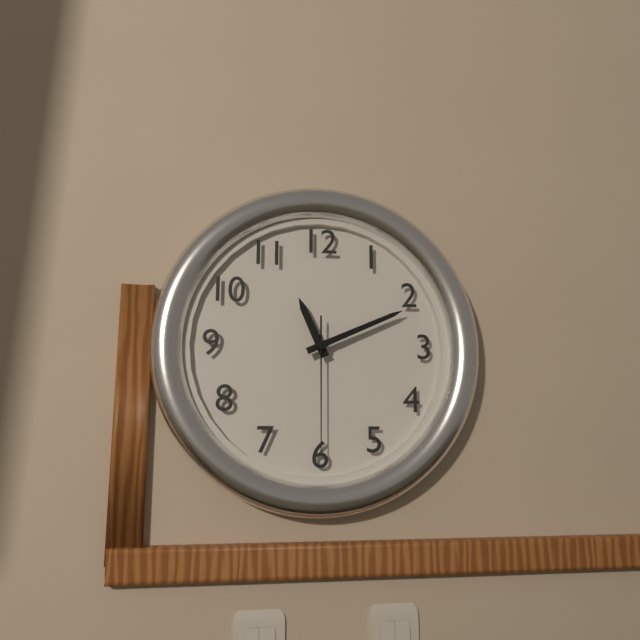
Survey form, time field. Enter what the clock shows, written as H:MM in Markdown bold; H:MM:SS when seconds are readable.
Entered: **11:11:30**
